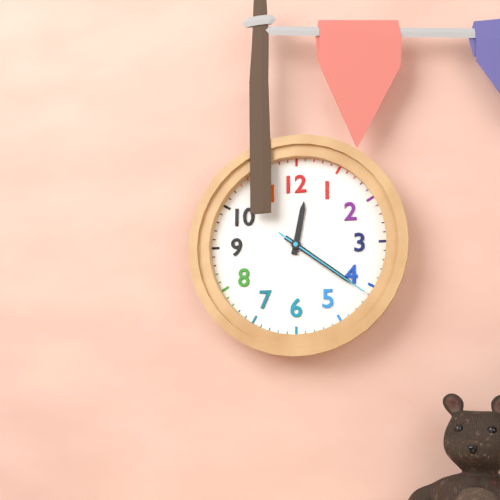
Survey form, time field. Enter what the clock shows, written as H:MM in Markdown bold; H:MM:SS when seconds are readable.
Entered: **12:21:21**
